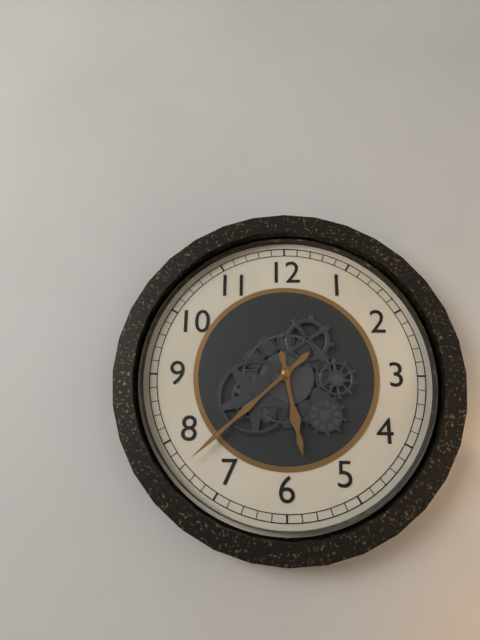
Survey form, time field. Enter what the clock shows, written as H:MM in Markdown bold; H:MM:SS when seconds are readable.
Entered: **5:38**
